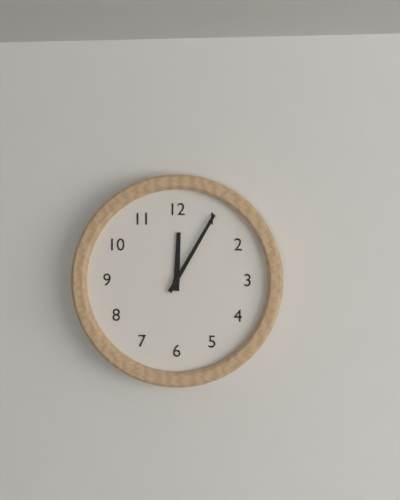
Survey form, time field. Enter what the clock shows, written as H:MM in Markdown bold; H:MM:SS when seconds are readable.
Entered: **12:05**
